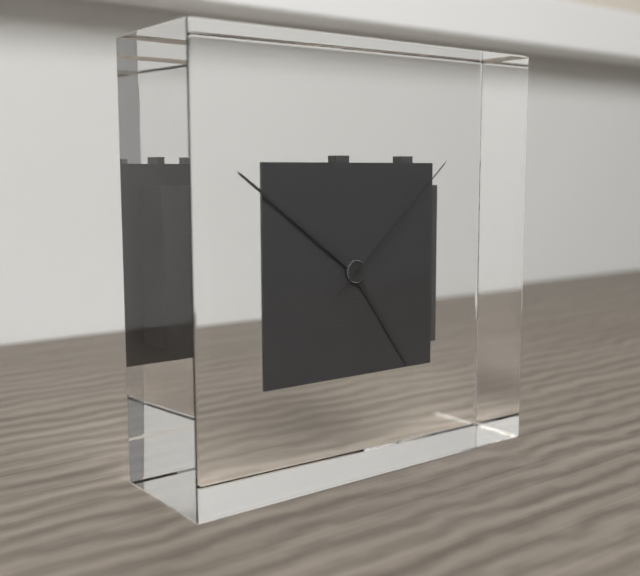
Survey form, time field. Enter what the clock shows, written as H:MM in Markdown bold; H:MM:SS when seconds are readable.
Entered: **4:51:08**
